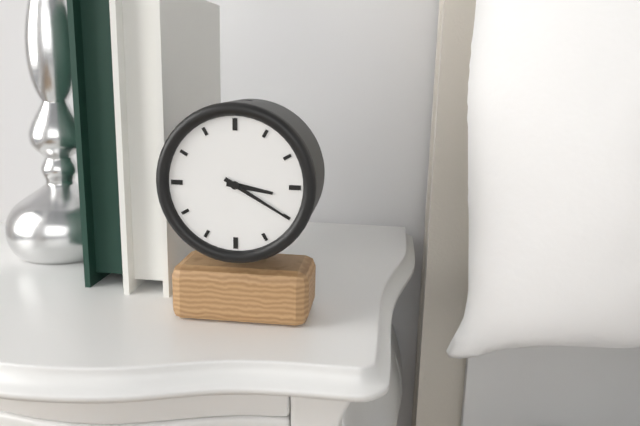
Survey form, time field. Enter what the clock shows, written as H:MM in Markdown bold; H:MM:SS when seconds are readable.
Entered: **3:20**
